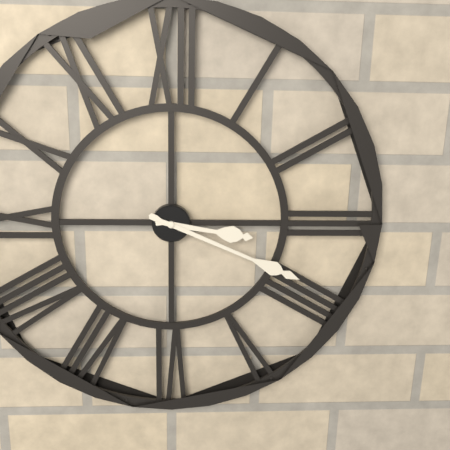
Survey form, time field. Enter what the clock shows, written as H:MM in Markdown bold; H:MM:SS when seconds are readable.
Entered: **3:19**
